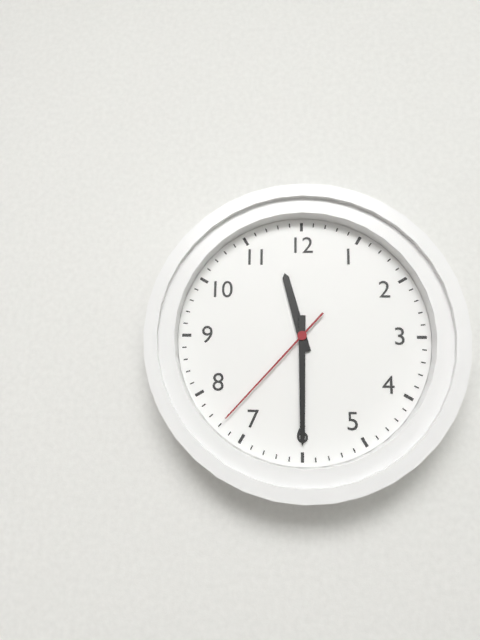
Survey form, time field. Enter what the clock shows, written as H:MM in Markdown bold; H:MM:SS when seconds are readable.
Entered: **11:30:37**
